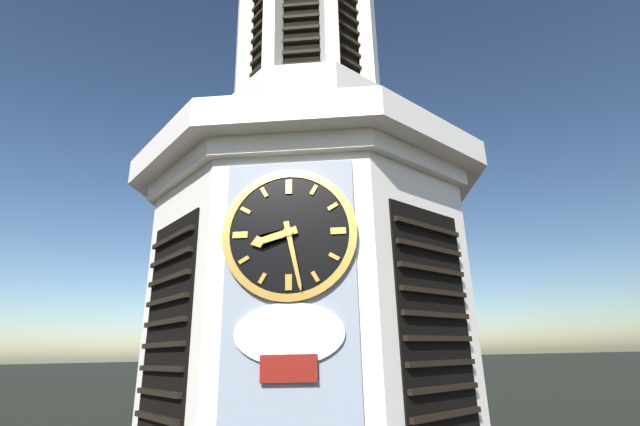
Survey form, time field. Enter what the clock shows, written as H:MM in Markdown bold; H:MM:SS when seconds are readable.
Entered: **8:28**
